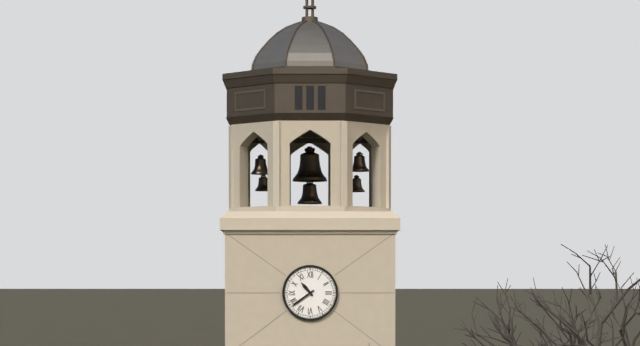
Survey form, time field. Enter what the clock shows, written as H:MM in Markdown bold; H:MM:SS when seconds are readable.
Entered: **10:39**
